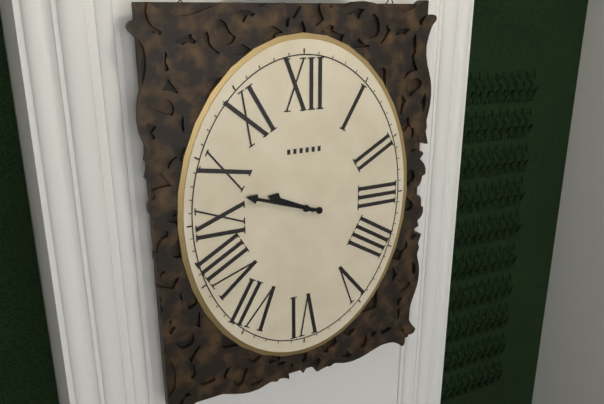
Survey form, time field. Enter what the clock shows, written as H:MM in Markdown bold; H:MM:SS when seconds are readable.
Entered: **9:48**
